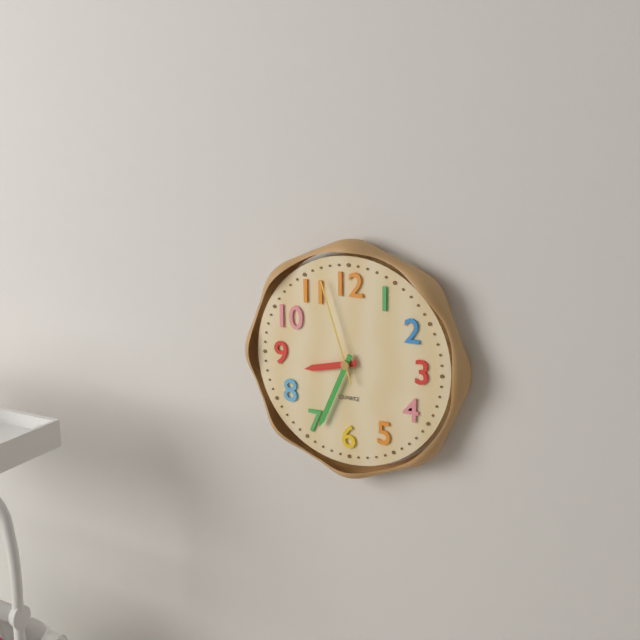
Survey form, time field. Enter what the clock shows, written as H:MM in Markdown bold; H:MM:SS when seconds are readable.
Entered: **8:34:57**
